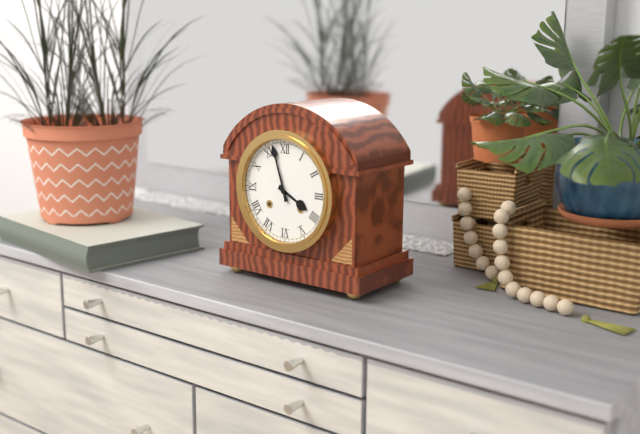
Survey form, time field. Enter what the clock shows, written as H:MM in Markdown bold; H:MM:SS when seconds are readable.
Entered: **3:57**
